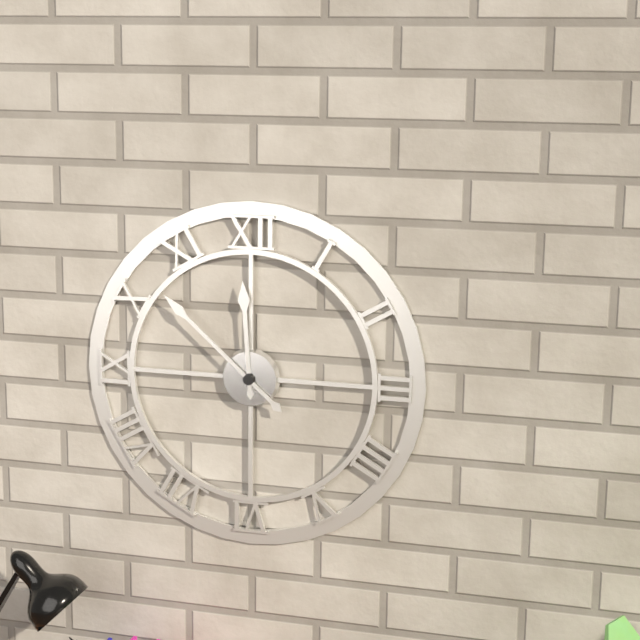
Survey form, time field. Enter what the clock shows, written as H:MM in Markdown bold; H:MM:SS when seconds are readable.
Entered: **11:52**
